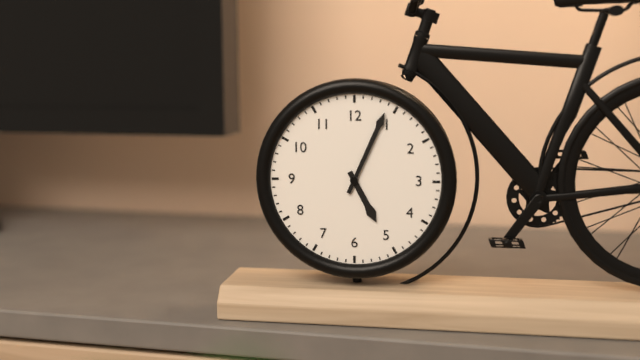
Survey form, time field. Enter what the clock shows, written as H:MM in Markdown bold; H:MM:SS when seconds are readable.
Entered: **5:04**
